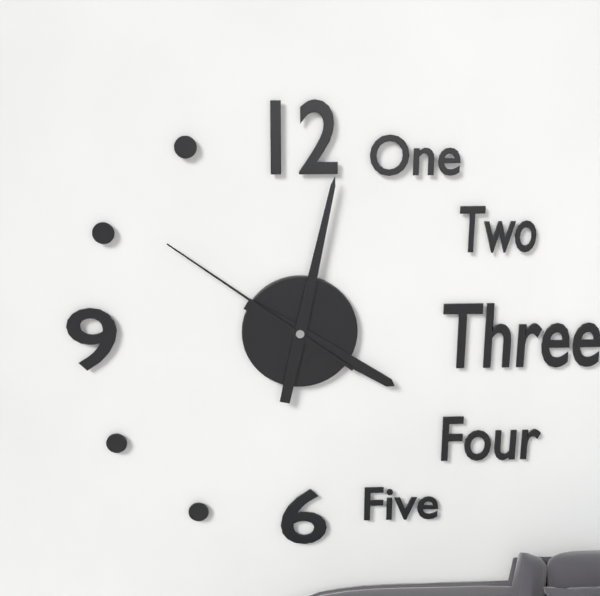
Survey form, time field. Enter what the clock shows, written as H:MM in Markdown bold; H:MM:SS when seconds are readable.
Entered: **4:02:51**
